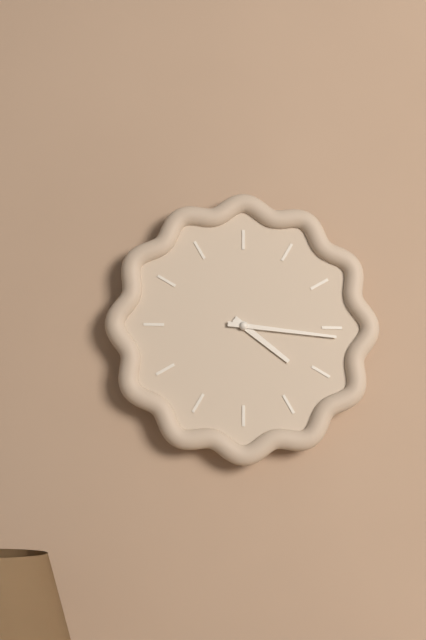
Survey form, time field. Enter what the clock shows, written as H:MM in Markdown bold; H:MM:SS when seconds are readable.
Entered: **4:16**
